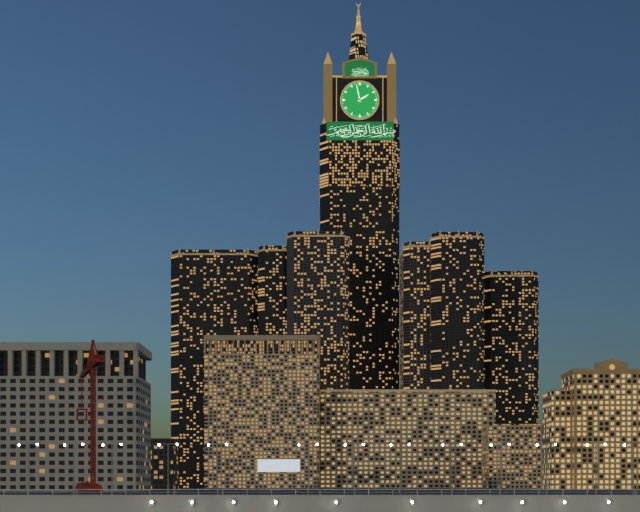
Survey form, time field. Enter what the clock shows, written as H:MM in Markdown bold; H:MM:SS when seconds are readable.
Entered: **1:58**
